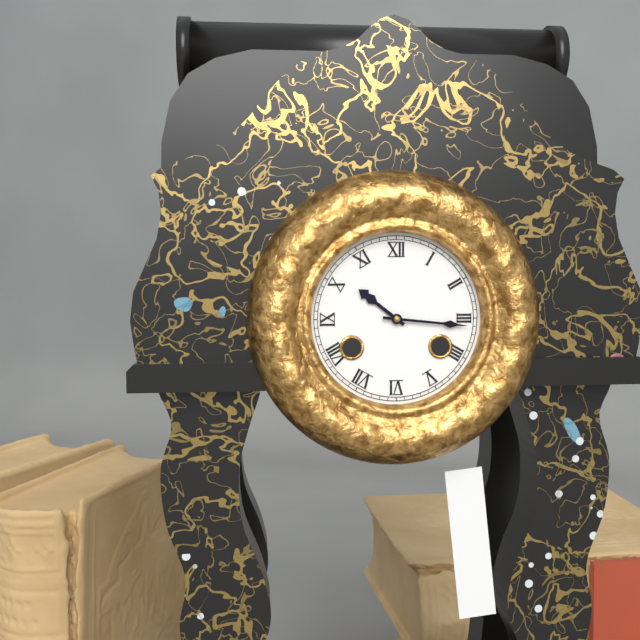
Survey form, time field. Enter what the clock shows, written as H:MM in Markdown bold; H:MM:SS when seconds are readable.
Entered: **10:16**
